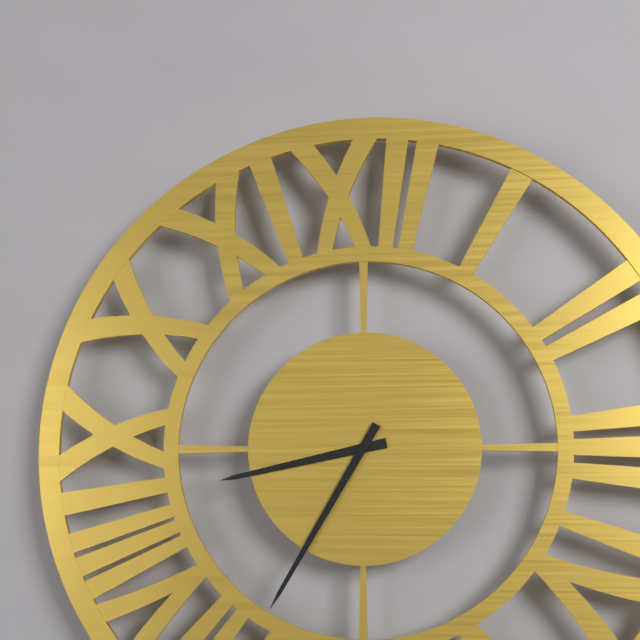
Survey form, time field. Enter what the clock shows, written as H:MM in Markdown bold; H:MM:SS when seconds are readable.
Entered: **8:35**
